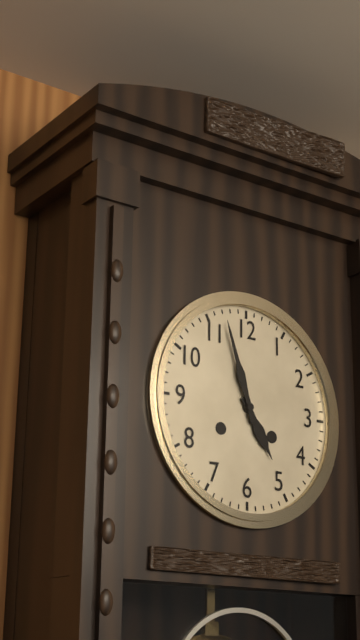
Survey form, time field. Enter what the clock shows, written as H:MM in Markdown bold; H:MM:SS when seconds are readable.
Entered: **4:57**
